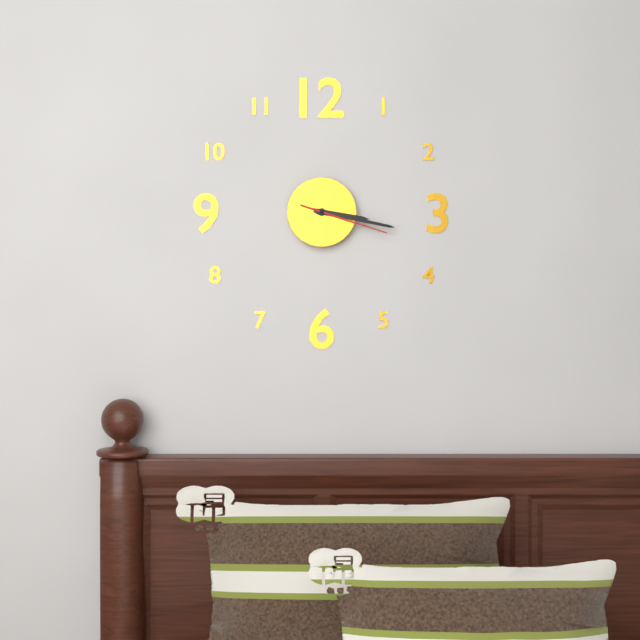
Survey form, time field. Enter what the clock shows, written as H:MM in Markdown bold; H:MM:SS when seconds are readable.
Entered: **3:17:18**
